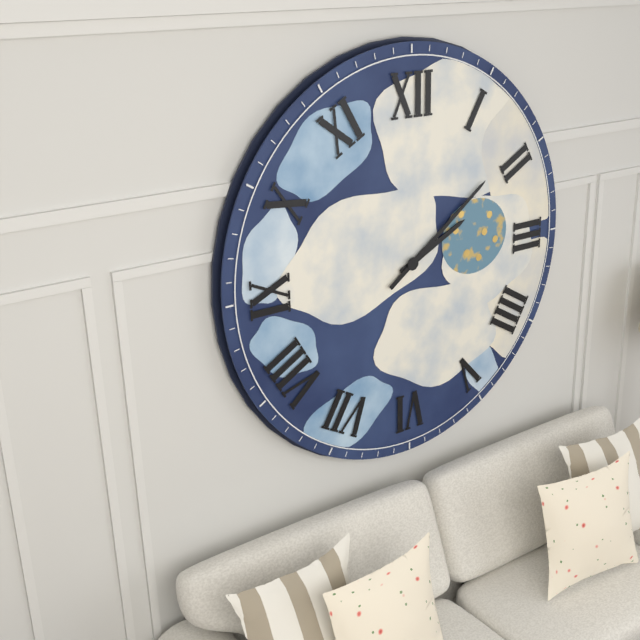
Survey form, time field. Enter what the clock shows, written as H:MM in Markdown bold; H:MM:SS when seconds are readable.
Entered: **2:09**
